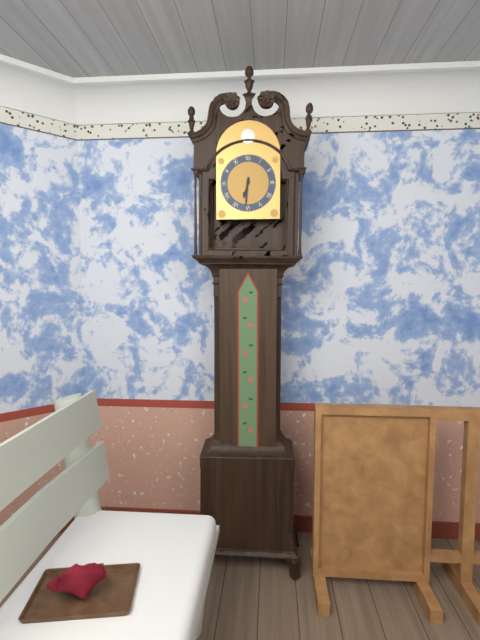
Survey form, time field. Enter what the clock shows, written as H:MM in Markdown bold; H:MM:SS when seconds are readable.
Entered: **6:31**
